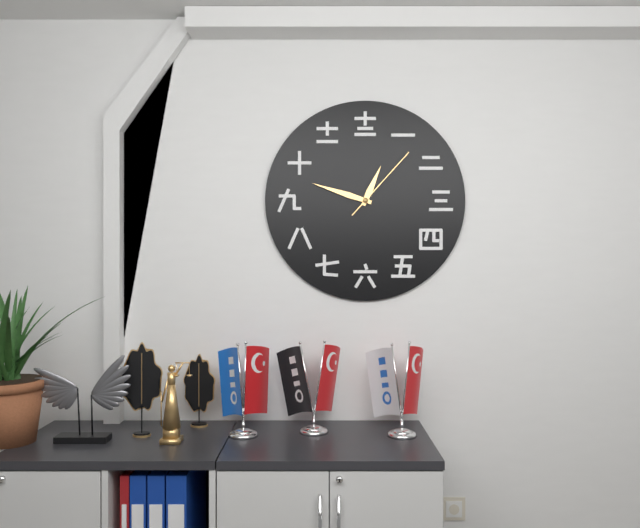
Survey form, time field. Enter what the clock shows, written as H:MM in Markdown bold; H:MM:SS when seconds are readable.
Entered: **12:48:07**
